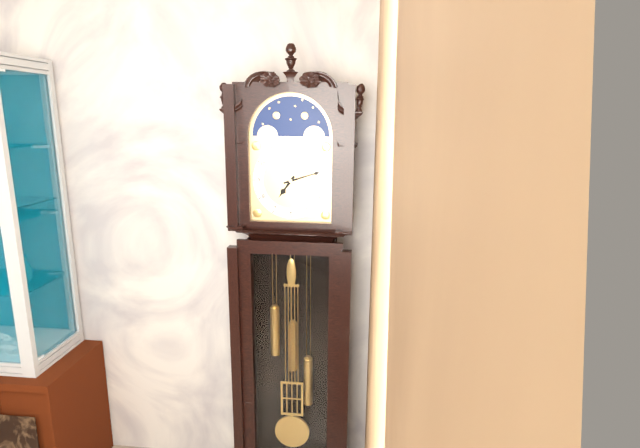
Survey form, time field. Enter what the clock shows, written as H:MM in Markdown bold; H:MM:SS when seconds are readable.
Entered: **7:12**
